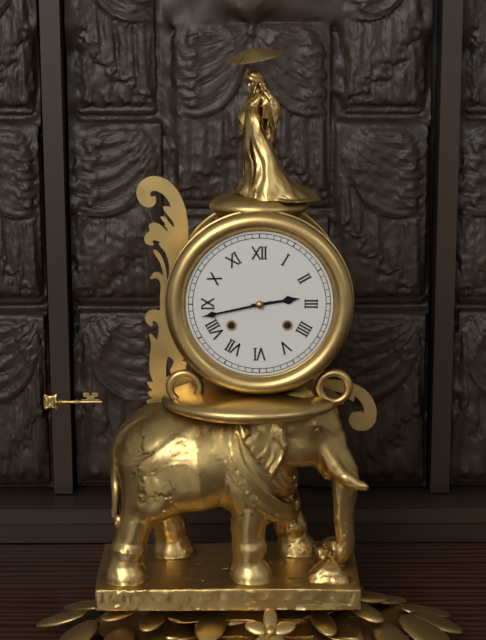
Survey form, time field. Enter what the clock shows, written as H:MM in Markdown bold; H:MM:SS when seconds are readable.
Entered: **2:43**
